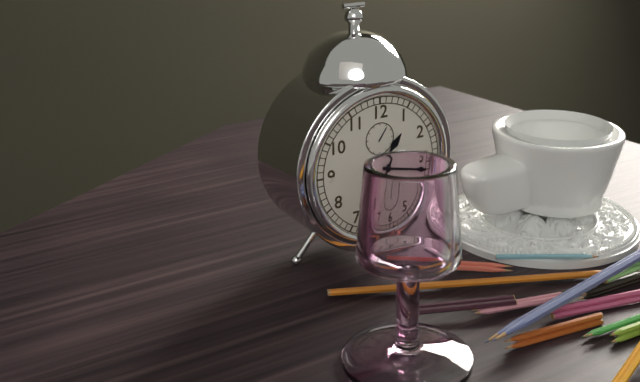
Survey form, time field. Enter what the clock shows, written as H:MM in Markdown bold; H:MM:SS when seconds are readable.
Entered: **1:17**
